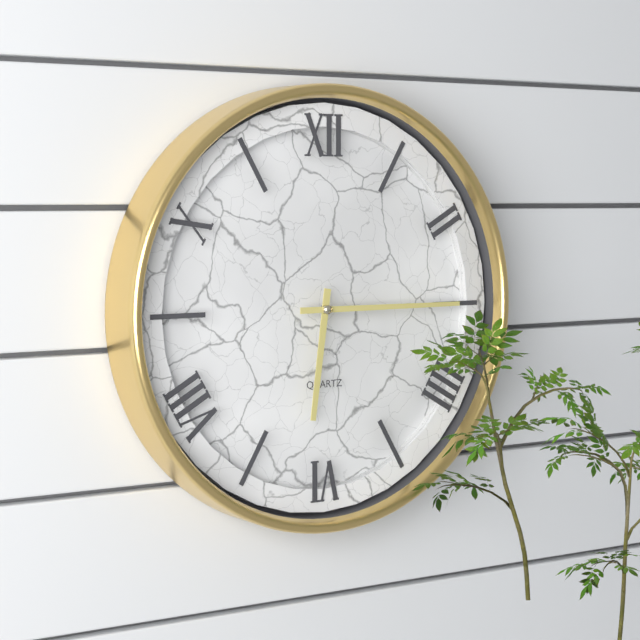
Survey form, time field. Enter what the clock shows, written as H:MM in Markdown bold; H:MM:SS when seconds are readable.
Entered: **6:15**
